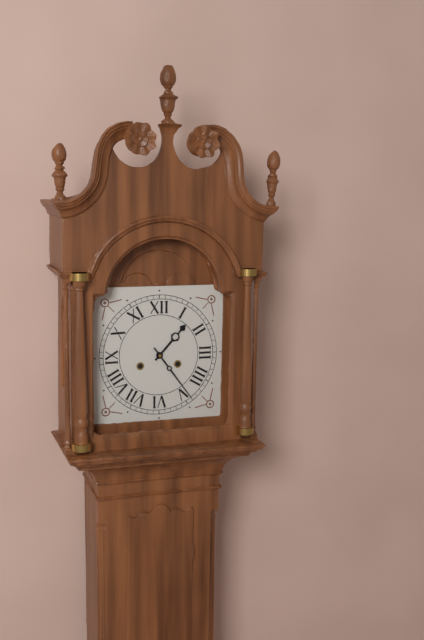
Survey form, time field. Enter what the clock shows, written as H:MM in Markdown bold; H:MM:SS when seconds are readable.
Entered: **1:24**
